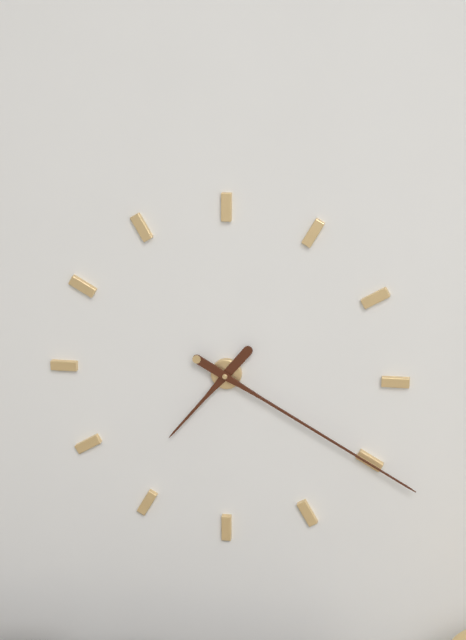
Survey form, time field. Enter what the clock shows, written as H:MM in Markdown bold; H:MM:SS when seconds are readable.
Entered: **7:20**
